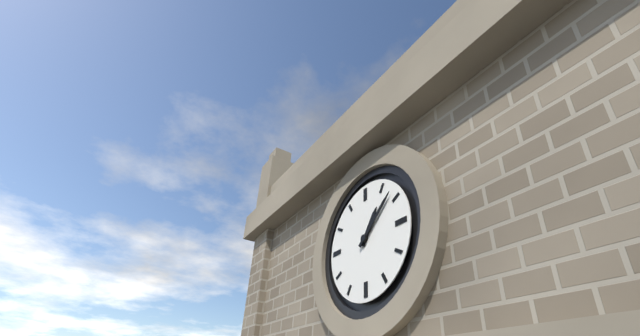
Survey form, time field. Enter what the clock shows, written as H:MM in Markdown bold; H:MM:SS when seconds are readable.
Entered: **1:08**
